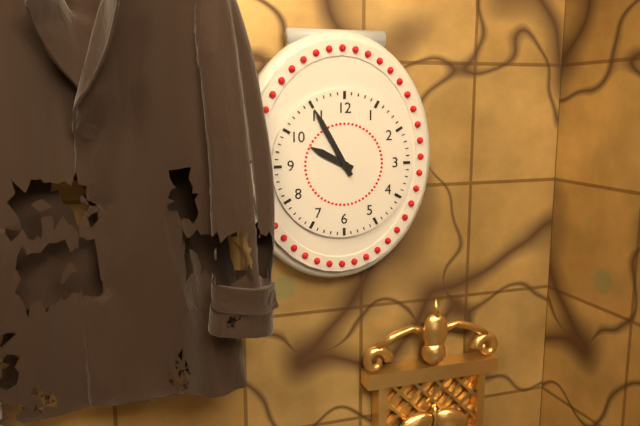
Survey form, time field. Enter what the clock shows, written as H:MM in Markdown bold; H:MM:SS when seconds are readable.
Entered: **9:55**
